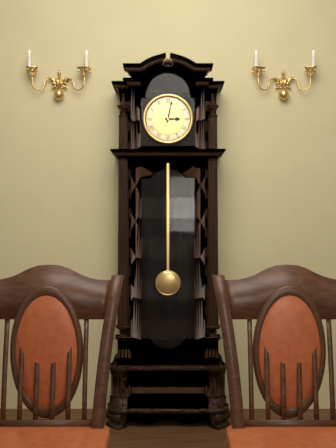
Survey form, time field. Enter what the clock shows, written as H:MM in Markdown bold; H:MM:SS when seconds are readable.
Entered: **3:02**
